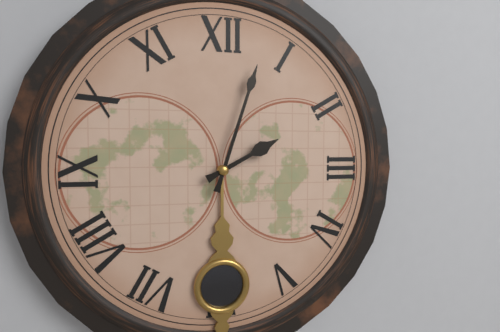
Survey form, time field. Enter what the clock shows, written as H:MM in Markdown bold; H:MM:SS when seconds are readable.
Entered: **2:03**
